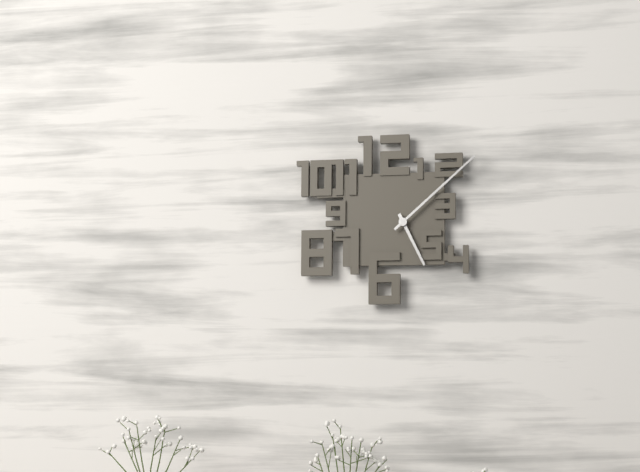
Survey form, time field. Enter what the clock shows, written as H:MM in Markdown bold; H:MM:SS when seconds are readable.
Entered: **5:08**
